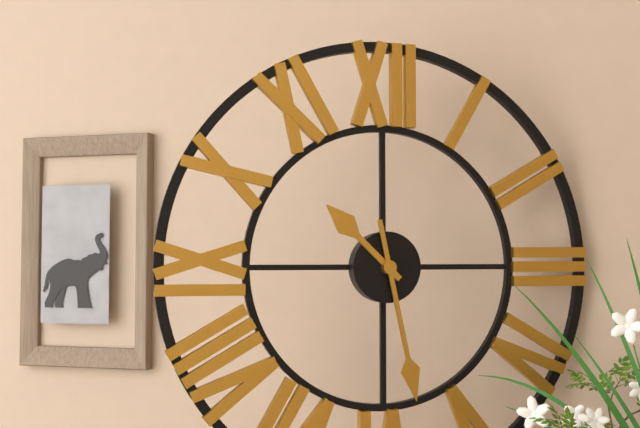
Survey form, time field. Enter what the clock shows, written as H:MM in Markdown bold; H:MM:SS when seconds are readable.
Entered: **10:28**
